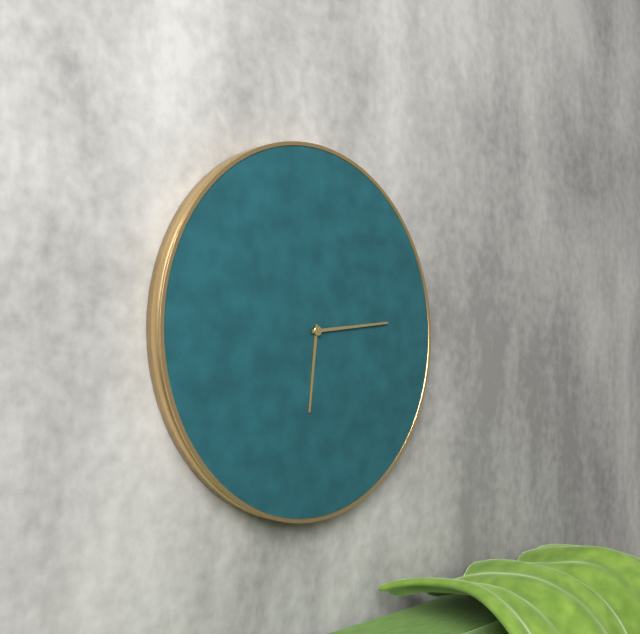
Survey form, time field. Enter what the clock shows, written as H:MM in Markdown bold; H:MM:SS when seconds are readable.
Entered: **6:14**
